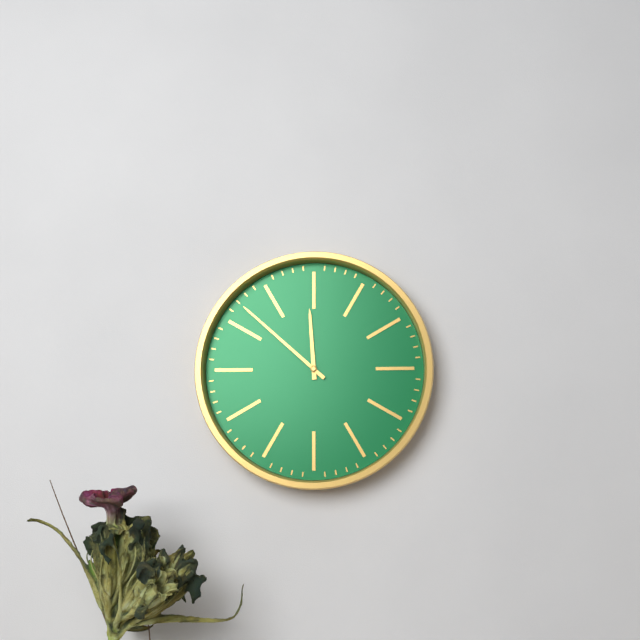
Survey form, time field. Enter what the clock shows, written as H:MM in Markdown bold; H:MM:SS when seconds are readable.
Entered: **11:52**
